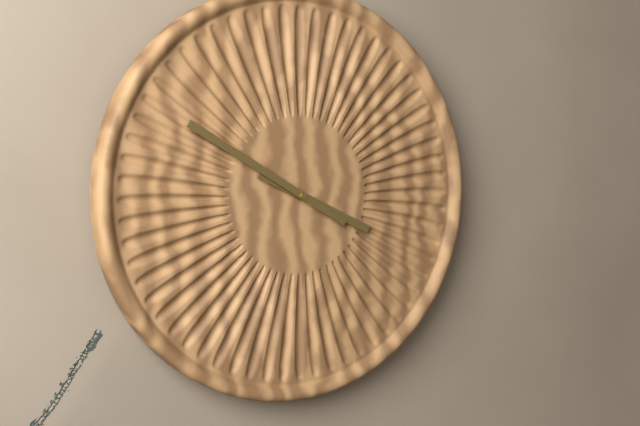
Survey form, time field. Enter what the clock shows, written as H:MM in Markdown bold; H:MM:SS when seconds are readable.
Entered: **3:50**
